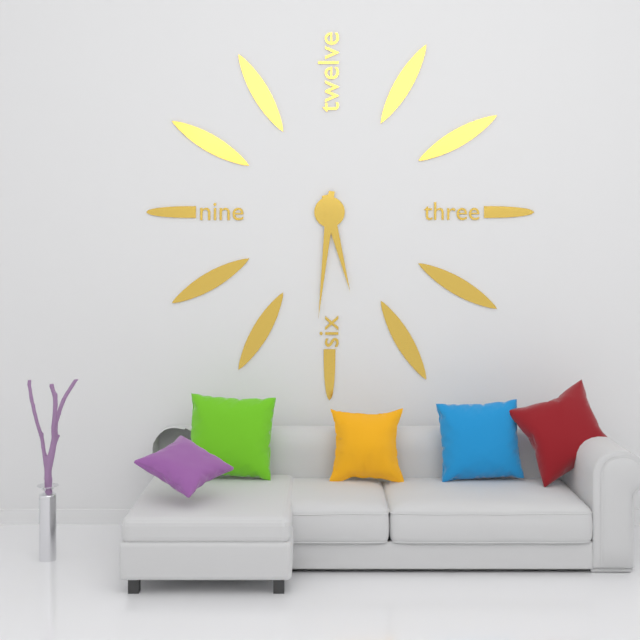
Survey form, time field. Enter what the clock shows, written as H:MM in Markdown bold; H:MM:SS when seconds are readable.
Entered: **5:31**
